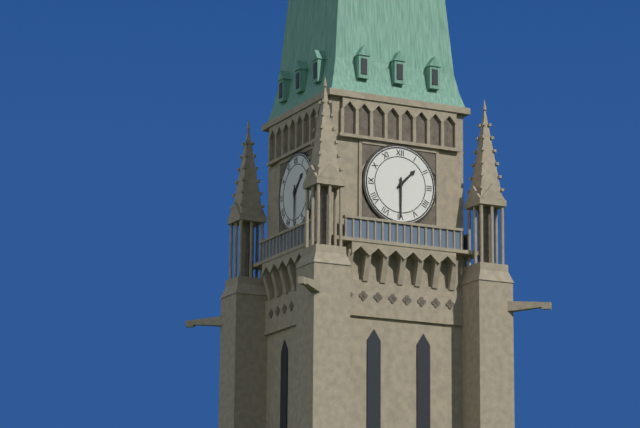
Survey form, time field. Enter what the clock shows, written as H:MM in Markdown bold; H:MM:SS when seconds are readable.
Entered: **1:30**
